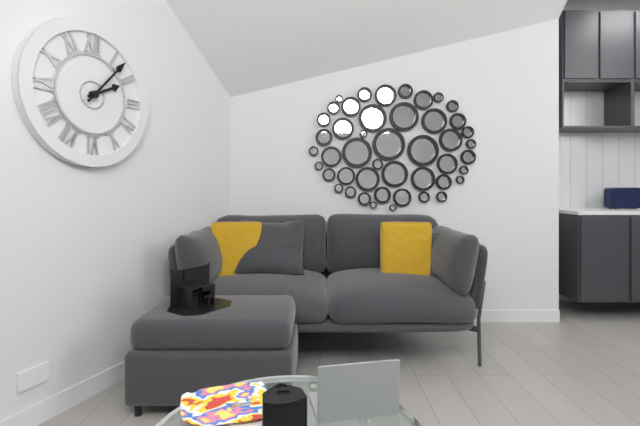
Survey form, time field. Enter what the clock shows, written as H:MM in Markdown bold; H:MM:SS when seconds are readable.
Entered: **2:07**
